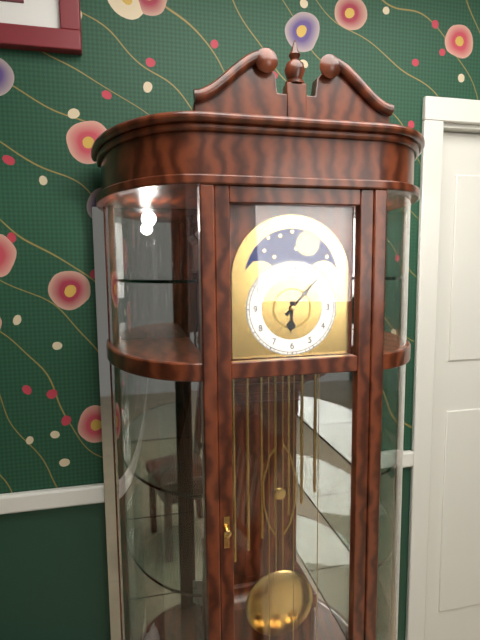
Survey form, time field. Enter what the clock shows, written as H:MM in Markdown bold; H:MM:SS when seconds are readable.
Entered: **6:07**
